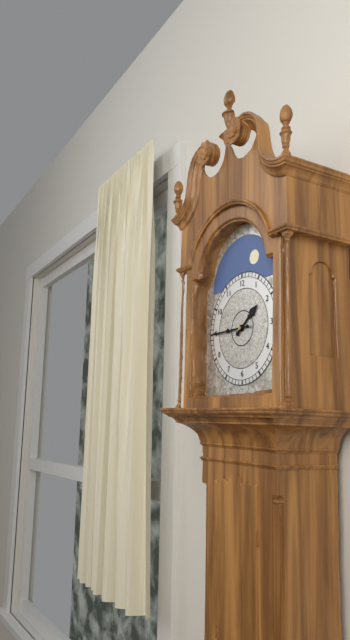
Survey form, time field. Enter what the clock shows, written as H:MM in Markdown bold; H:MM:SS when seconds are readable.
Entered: **1:45**
